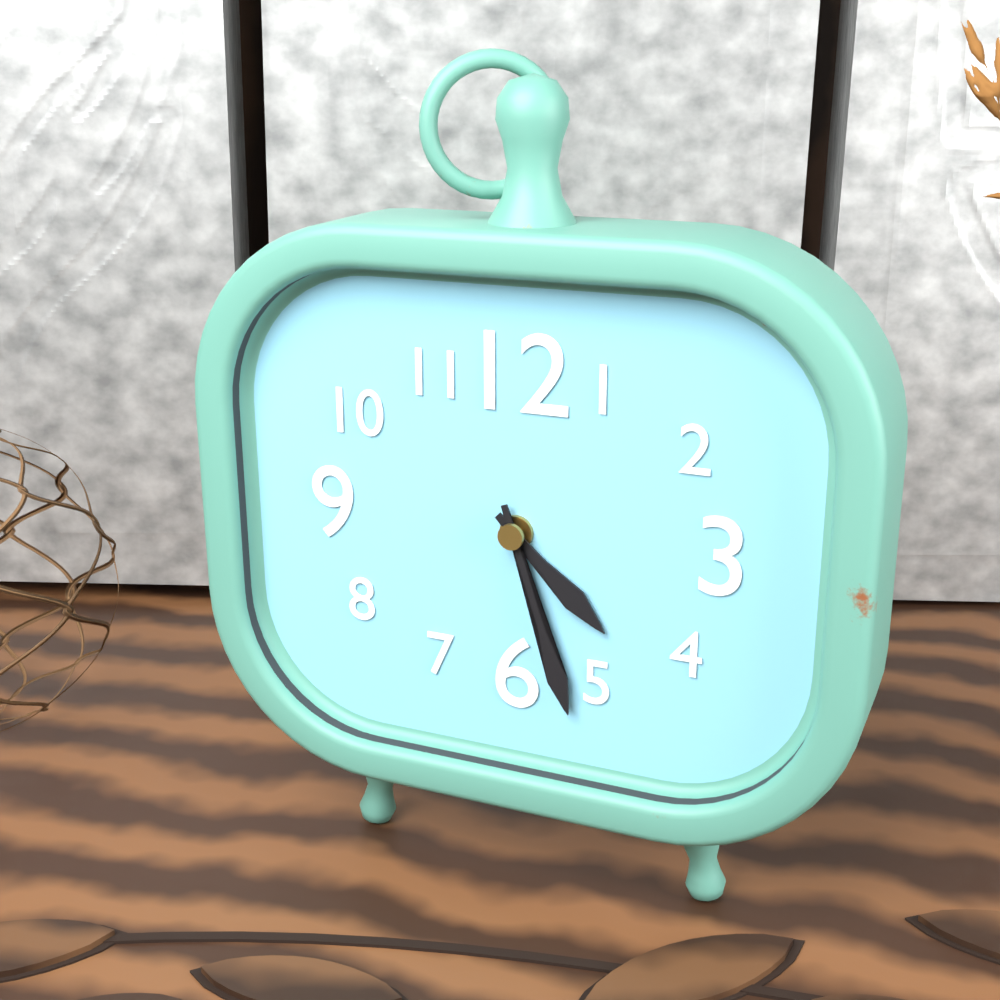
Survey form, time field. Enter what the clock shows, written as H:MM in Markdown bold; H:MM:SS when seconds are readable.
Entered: **4:27**
